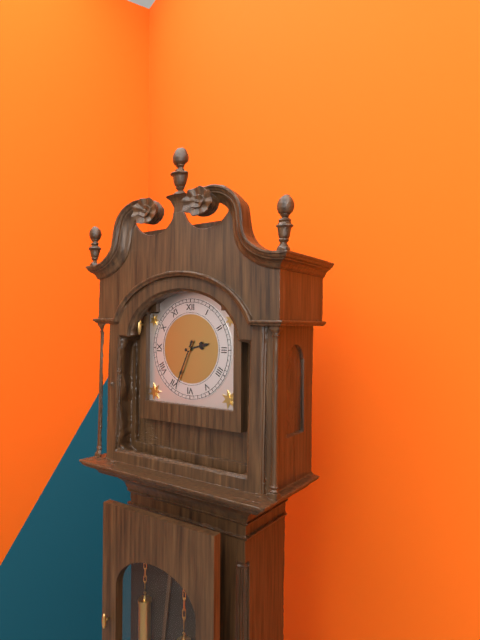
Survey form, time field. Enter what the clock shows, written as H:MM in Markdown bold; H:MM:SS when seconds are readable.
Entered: **2:34**
